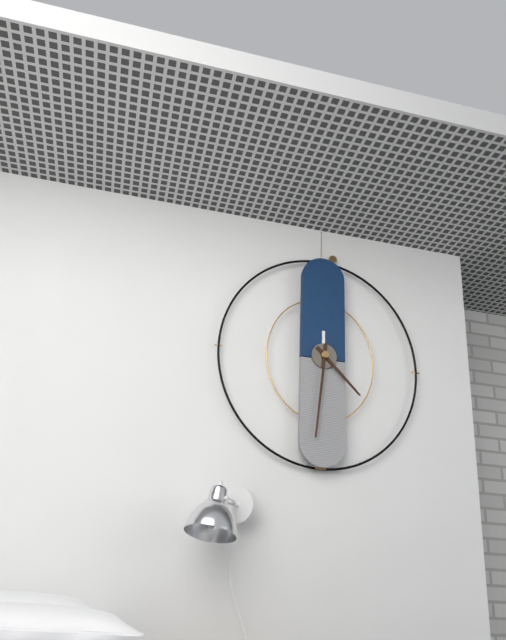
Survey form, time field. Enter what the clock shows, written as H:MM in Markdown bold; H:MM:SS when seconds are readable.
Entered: **4:31**
